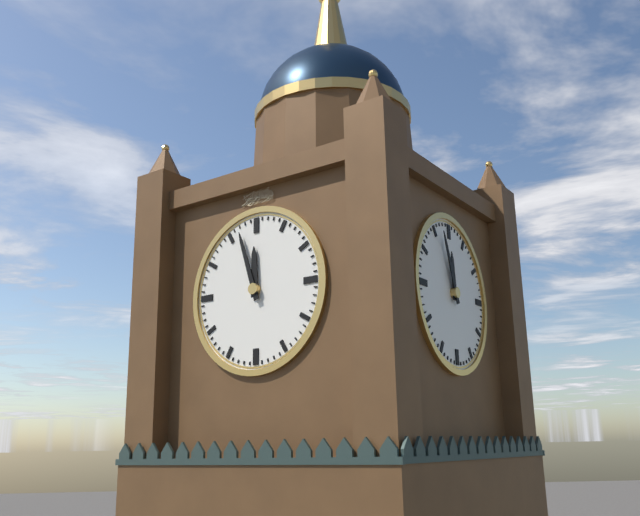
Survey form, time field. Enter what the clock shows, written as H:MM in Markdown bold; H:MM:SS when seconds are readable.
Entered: **11:57**
